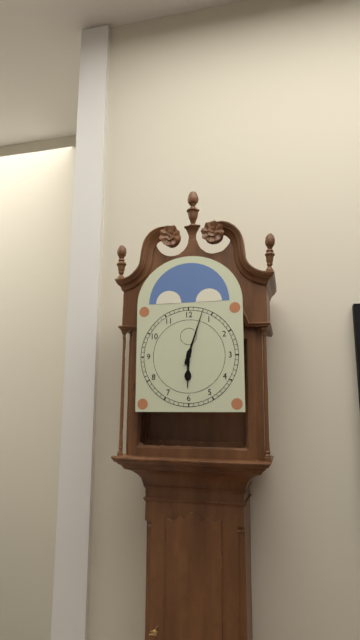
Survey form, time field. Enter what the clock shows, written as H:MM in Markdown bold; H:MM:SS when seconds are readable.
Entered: **6:03**
